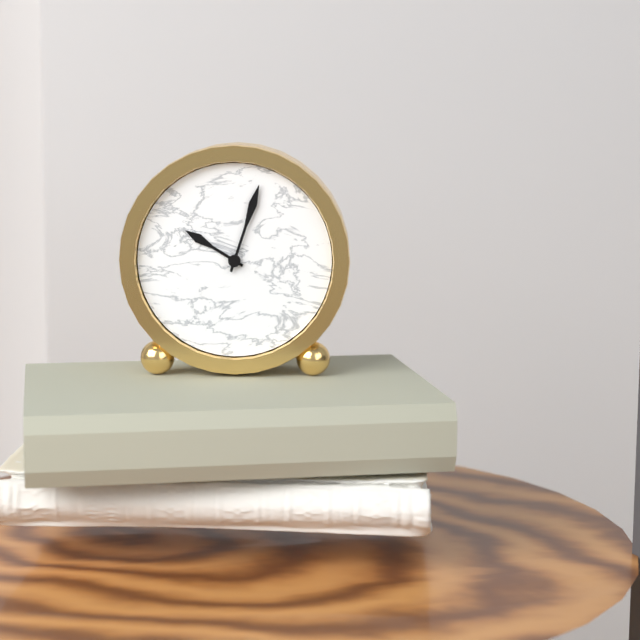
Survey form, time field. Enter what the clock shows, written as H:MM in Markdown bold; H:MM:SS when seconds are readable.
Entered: **10:03**
